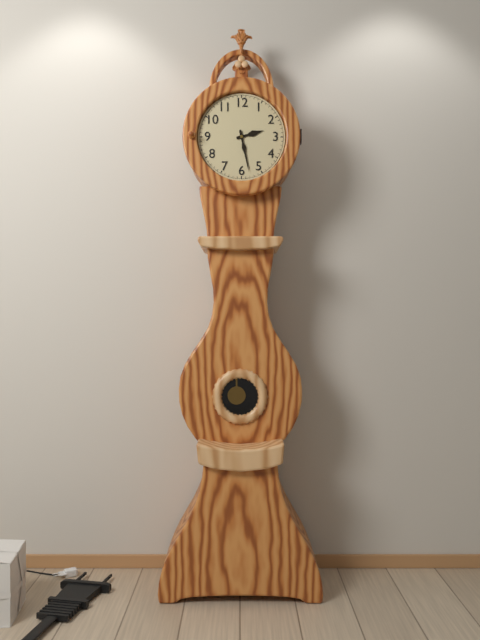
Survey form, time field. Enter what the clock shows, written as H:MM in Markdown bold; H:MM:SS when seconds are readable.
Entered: **2:28**
